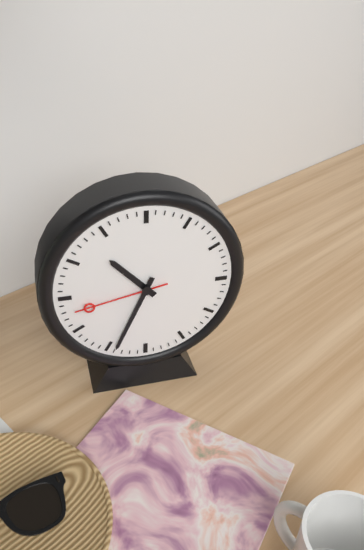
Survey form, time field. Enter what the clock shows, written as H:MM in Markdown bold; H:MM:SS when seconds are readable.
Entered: **10:34:43**
